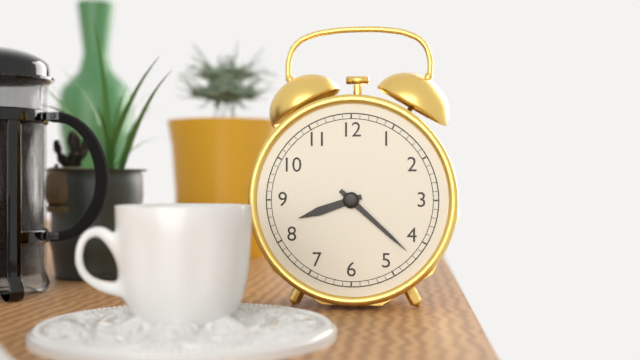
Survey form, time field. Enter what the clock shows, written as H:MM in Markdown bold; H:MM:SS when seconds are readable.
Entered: **8:22**
